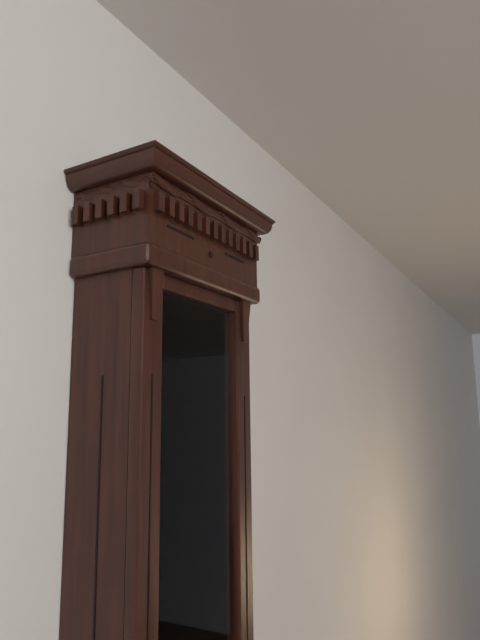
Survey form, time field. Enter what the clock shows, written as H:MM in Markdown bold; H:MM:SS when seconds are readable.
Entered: **2:14**
